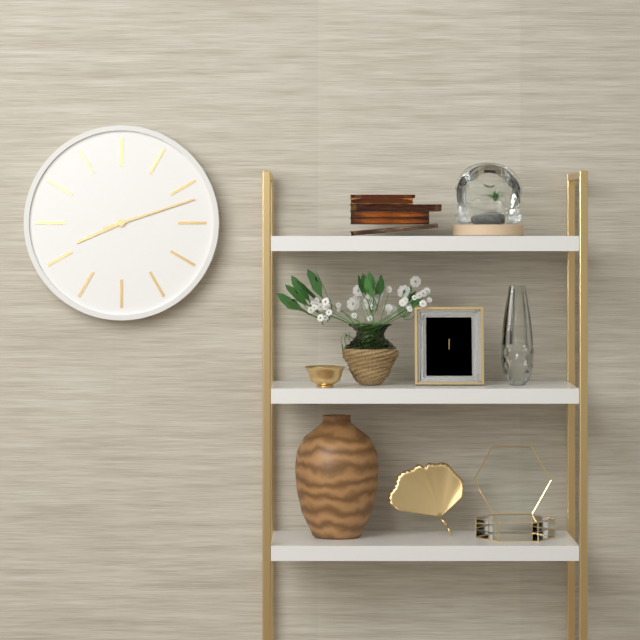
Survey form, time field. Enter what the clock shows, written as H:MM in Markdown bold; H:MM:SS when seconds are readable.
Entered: **8:12**
